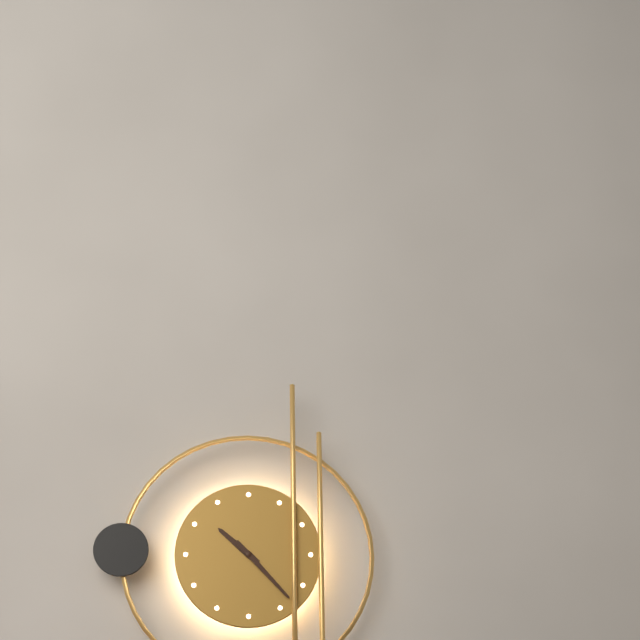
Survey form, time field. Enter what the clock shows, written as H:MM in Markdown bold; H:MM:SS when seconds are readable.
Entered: **10:23**
